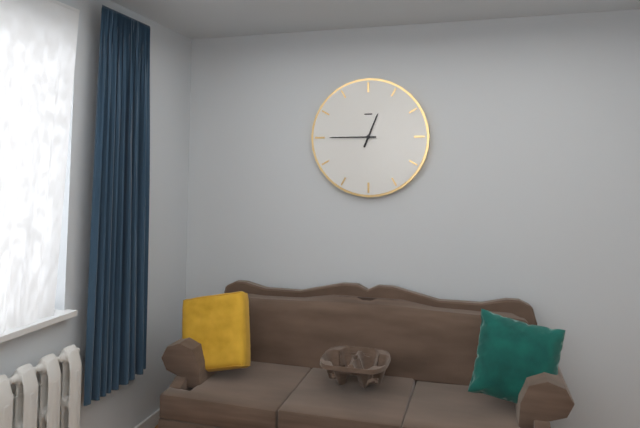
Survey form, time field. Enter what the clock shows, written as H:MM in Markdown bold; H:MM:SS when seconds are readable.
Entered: **12:45**
